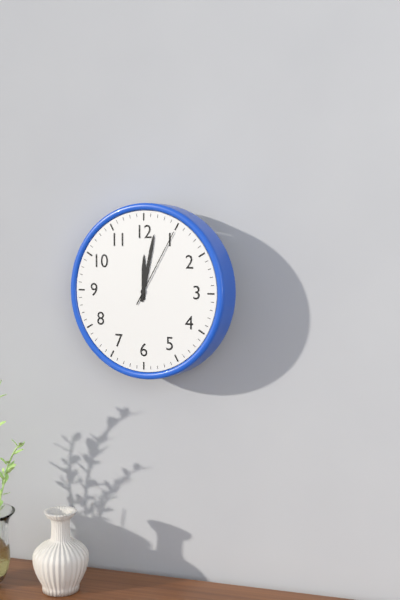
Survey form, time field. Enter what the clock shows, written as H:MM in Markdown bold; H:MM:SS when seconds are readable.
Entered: **12:02:05**
